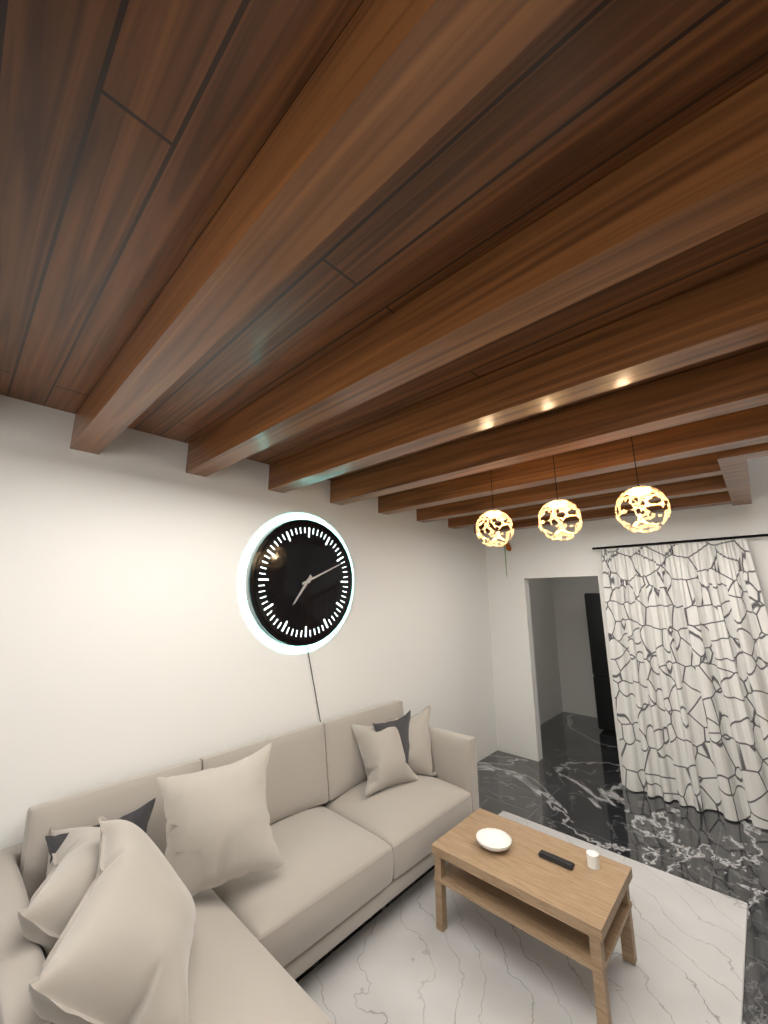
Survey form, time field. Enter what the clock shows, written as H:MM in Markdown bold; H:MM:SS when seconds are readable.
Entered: **7:11**
